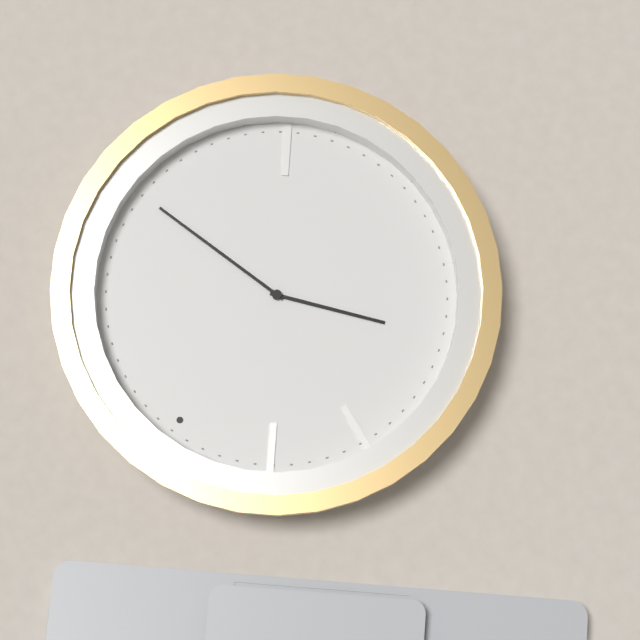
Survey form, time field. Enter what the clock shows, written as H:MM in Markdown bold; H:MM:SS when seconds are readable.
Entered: **8:15**
